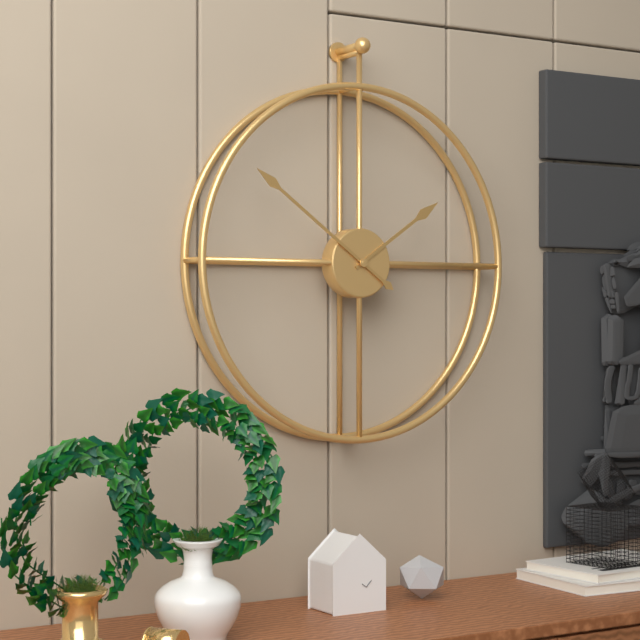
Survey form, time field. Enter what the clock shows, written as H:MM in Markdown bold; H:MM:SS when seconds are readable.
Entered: **1:51**
